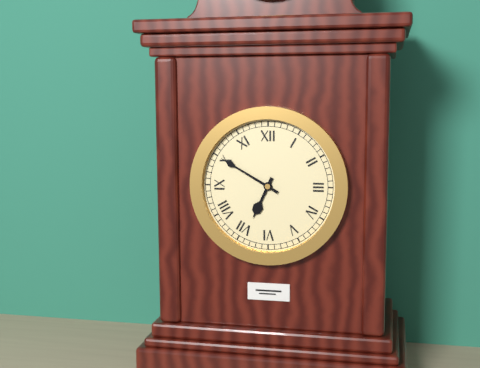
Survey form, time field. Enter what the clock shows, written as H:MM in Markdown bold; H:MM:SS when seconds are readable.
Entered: **6:50**
